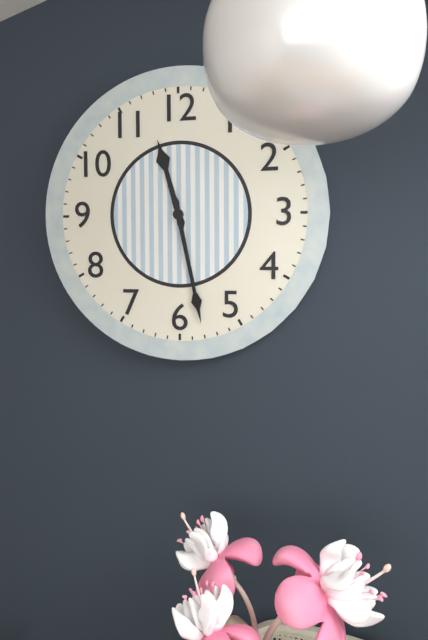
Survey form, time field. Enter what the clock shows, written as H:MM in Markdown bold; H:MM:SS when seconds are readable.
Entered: **11:28**
